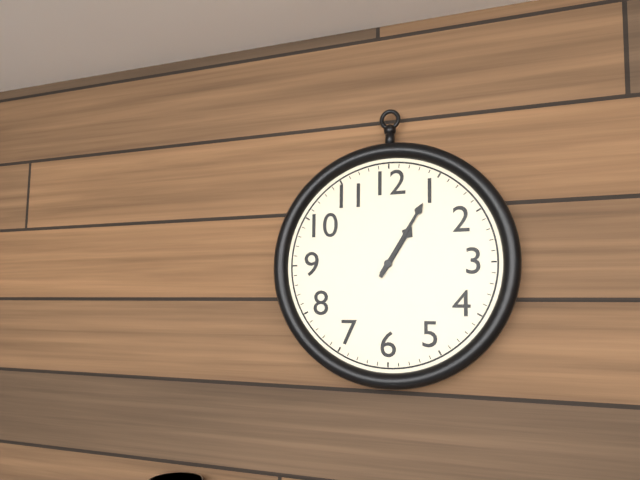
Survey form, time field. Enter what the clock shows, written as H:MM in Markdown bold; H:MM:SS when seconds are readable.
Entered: **1:05**
